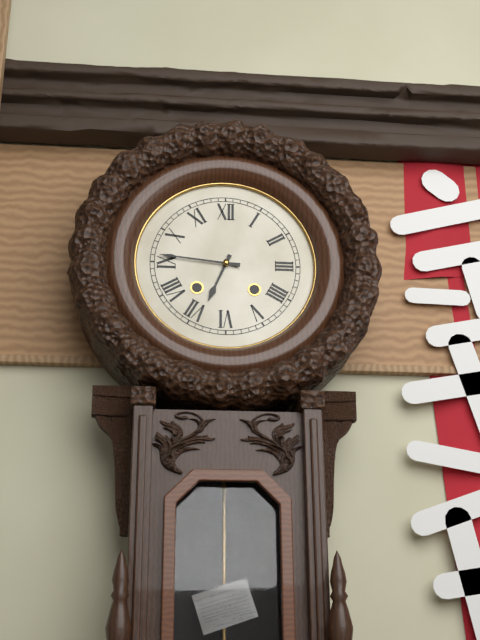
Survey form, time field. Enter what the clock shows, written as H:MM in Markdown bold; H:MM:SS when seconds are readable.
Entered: **6:46**
